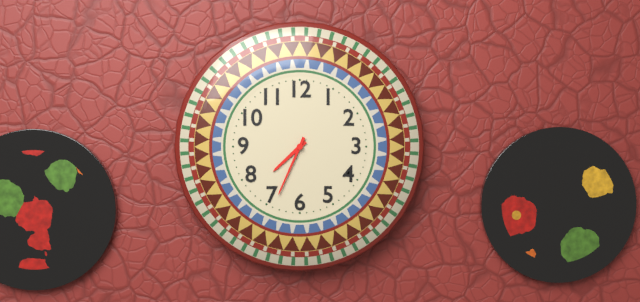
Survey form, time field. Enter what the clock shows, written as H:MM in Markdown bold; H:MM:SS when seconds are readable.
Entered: **7:34**
